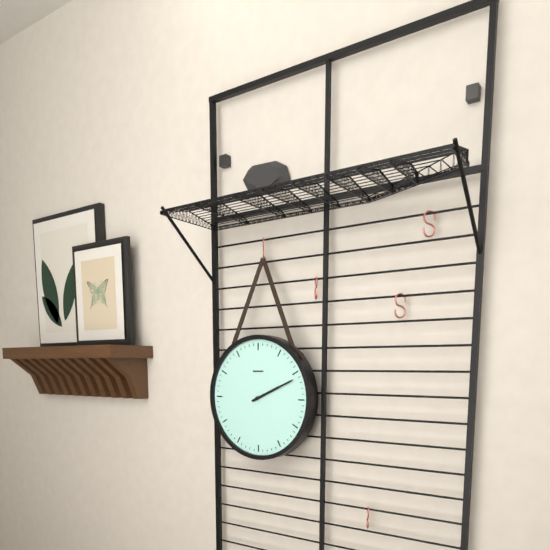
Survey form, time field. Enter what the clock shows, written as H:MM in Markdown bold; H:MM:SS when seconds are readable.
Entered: **2:11**
